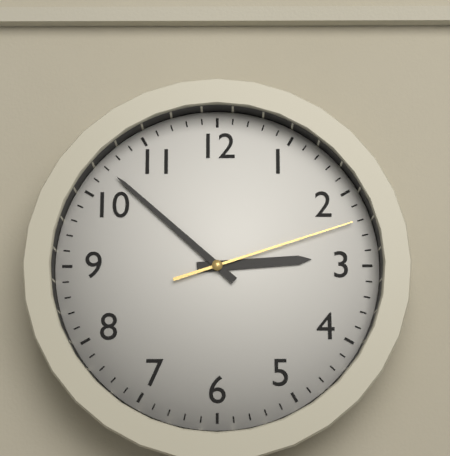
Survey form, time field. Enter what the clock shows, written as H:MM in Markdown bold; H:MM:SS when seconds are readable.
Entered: **2:52:12**
